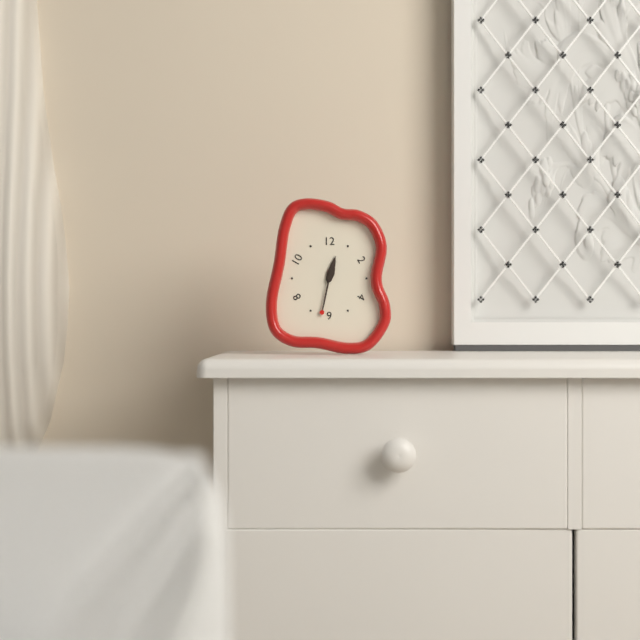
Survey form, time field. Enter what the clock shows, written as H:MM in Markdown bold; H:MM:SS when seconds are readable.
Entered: **12:32**
